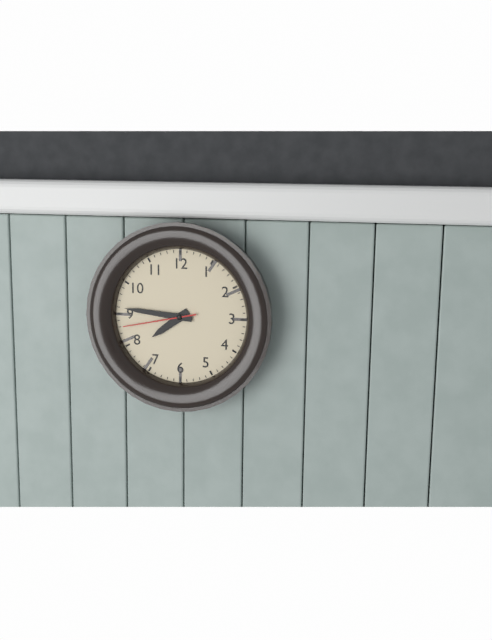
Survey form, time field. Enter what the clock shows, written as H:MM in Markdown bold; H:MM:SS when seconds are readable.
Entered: **7:46:43**
